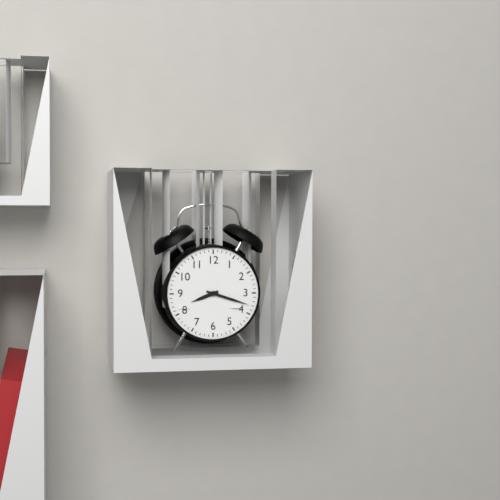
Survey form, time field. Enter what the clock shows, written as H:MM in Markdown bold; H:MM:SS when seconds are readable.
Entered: **8:18**
